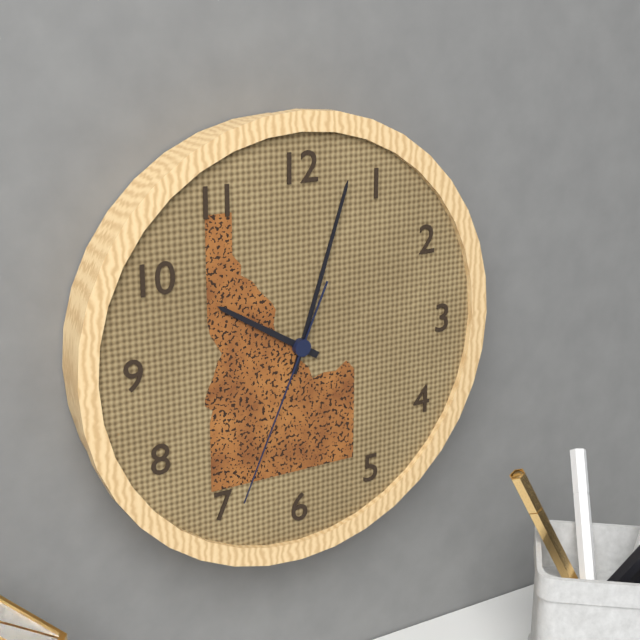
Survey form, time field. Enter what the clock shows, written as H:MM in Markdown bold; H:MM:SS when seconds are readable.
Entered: **10:03:34**
